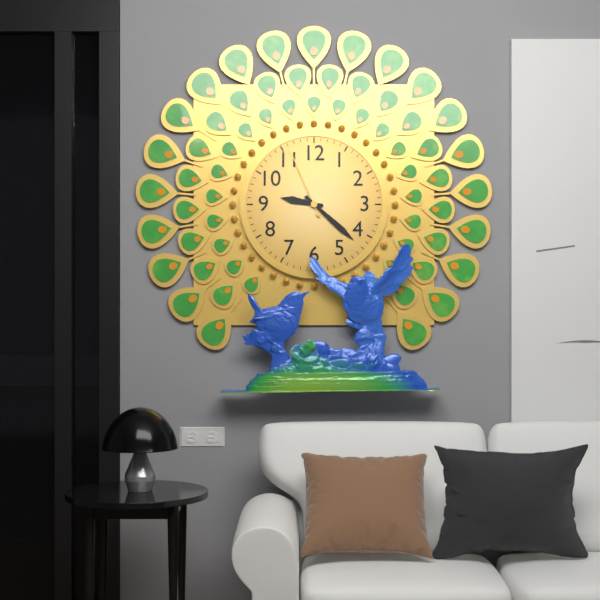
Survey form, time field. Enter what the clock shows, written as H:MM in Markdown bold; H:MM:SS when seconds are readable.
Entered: **9:22:56**
